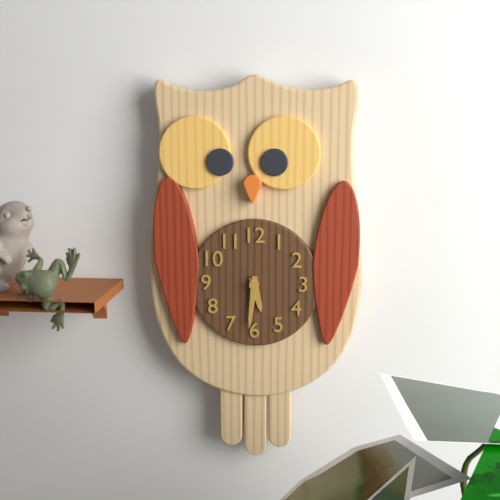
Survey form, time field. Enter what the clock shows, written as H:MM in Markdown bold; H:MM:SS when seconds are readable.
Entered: **5:31**
